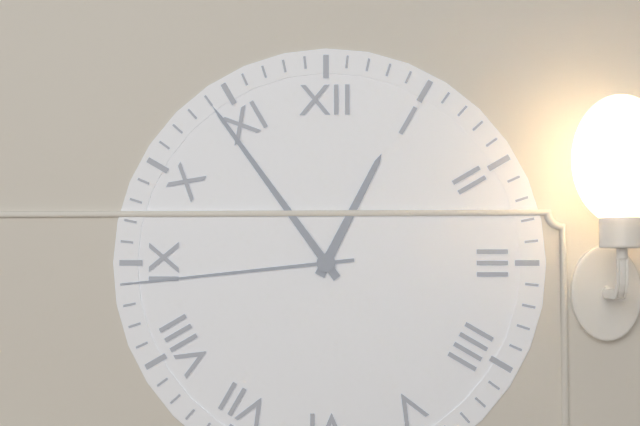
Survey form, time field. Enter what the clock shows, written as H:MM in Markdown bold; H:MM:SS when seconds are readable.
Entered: **12:54:44**
